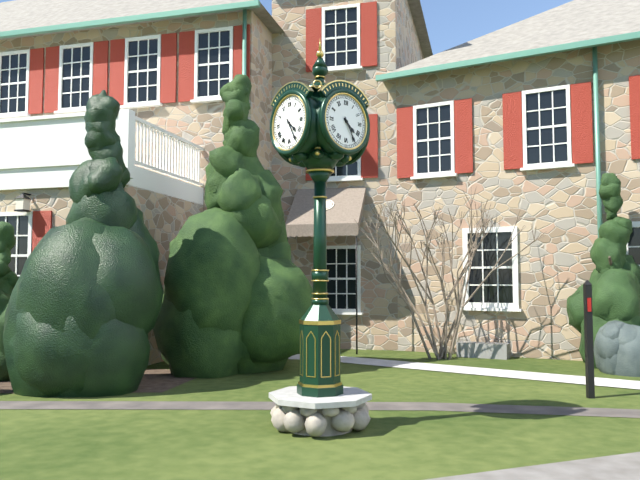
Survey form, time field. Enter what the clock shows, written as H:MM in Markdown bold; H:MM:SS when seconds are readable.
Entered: **4:25**
